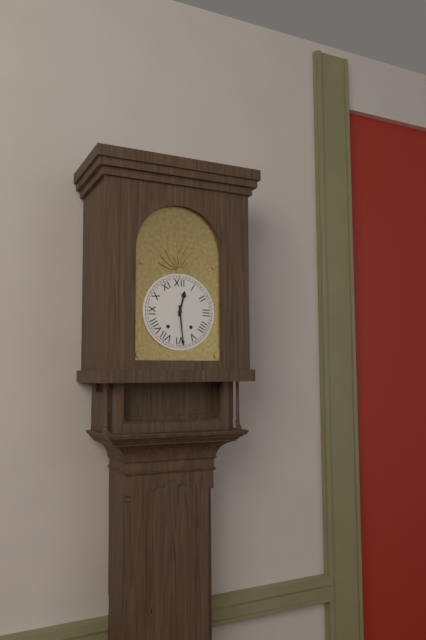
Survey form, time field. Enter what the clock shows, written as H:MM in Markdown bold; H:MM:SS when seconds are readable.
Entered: **12:29**
